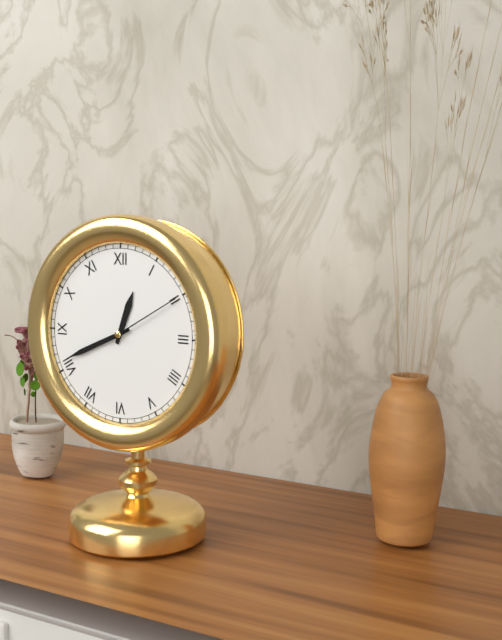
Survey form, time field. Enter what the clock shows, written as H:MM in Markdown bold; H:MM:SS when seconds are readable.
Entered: **12:41:10**
